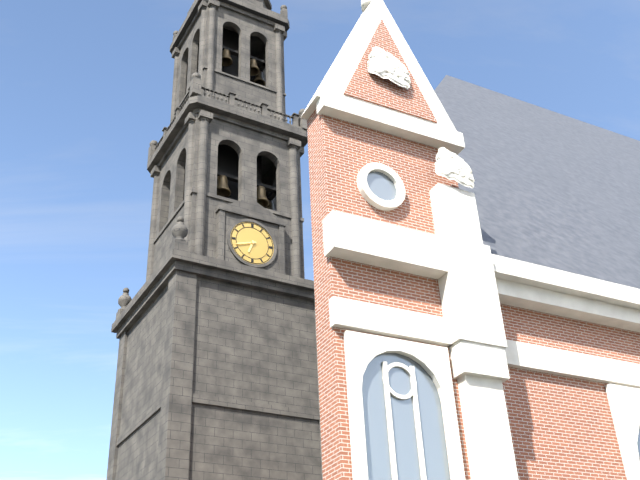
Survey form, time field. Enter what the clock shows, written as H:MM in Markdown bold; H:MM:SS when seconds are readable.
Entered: **6:42**
